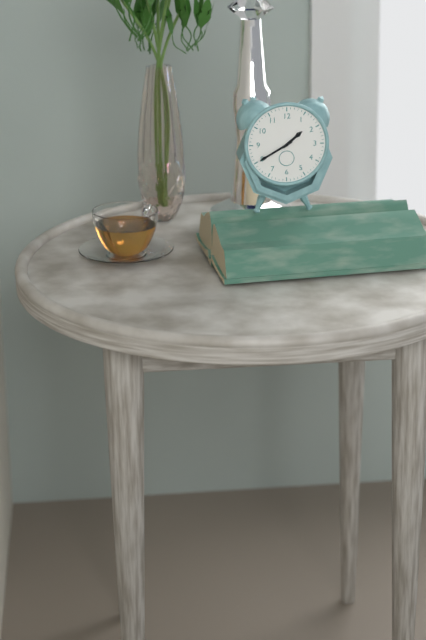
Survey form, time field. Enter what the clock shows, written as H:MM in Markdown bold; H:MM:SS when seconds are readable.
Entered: **1:40**
